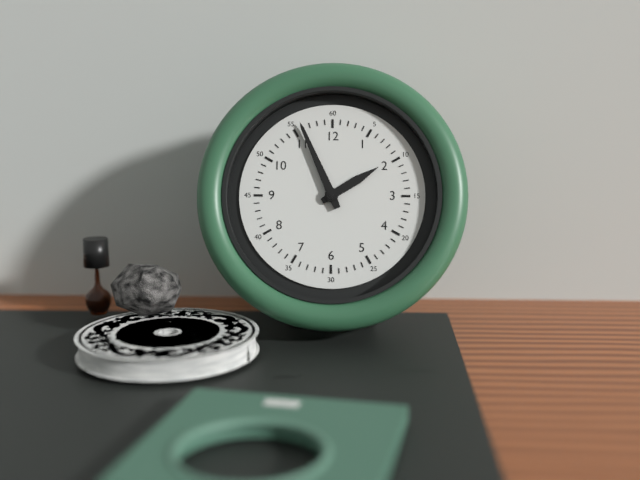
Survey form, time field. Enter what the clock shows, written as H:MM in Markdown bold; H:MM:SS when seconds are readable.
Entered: **1:56**
